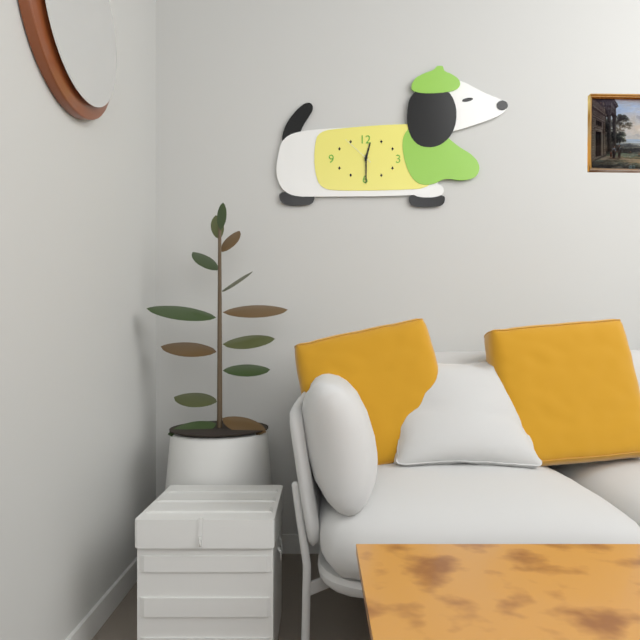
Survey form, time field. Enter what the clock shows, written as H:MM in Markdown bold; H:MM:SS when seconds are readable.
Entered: **12:30**
